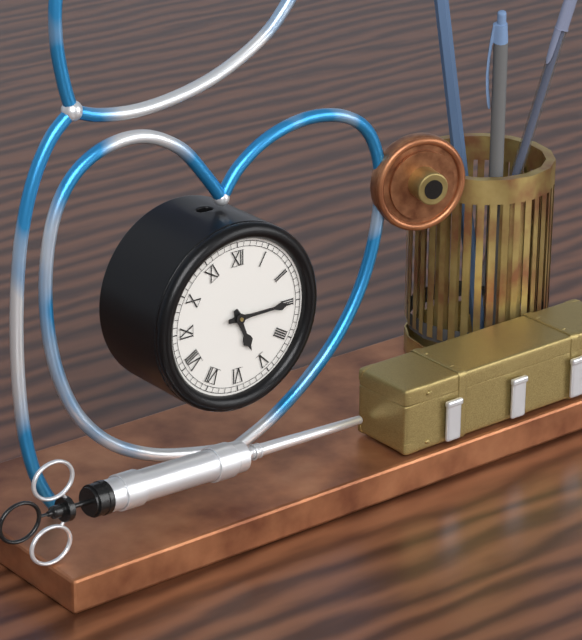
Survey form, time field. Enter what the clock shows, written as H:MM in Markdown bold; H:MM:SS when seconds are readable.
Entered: **5:15**
